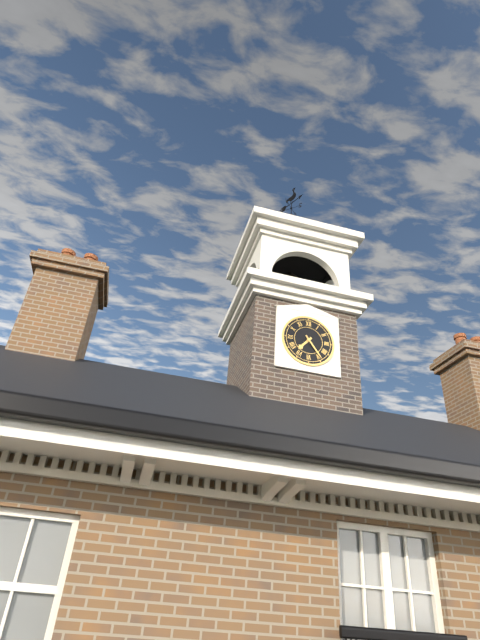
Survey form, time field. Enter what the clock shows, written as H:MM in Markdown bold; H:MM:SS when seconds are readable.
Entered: **7:24**
